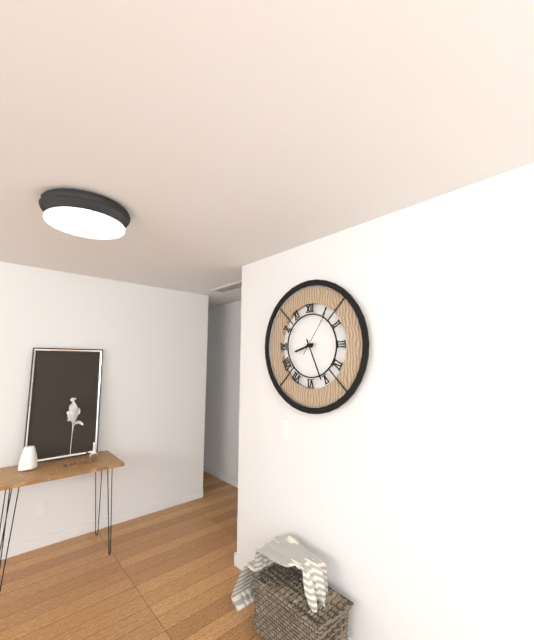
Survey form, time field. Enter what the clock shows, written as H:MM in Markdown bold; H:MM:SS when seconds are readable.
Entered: **8:26**
